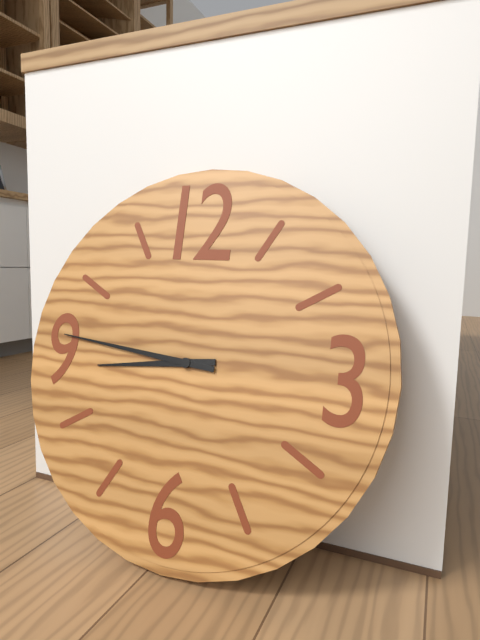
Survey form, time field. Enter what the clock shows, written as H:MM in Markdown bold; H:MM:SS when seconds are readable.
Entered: **8:46**
